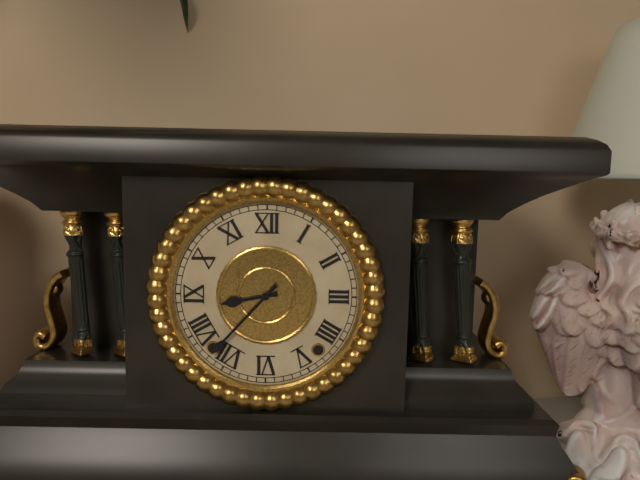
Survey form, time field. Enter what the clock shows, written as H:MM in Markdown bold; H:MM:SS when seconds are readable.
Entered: **8:37**
